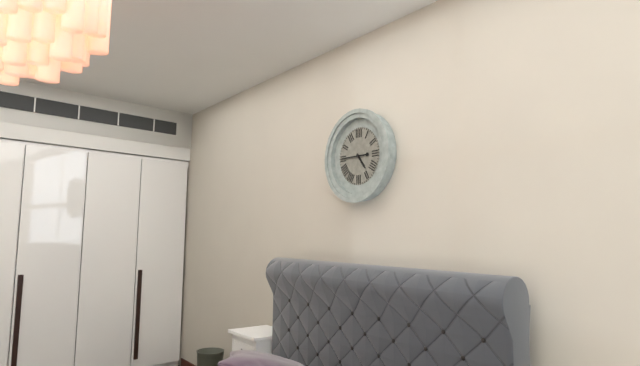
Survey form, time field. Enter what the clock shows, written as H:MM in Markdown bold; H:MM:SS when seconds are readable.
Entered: **4:45**
